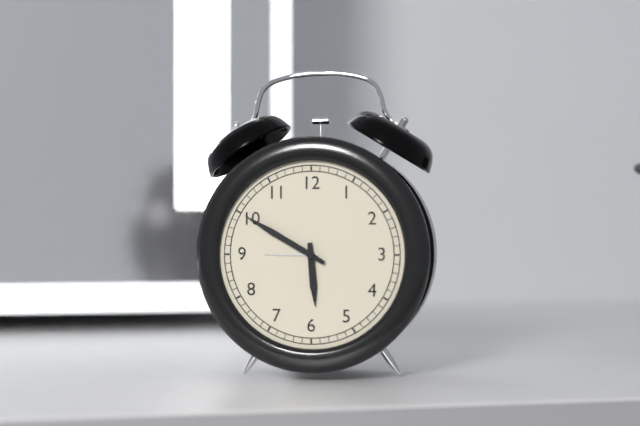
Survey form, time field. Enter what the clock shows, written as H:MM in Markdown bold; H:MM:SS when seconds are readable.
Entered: **5:50**
